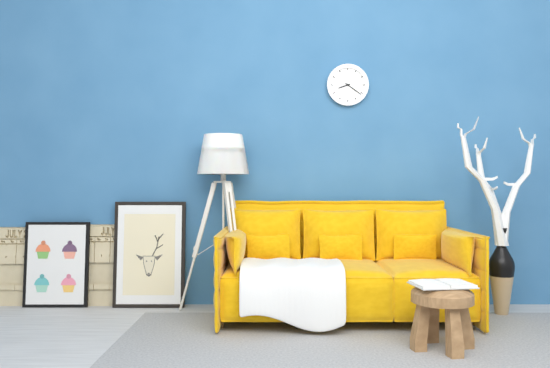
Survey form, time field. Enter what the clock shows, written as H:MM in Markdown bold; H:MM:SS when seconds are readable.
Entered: **8:21**
